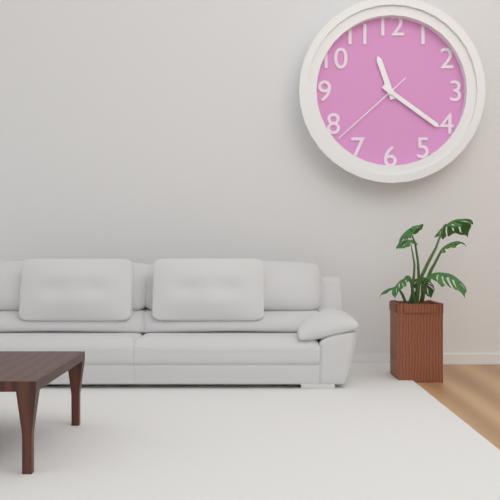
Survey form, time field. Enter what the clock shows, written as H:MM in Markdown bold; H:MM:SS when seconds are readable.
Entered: **11:21:38**
